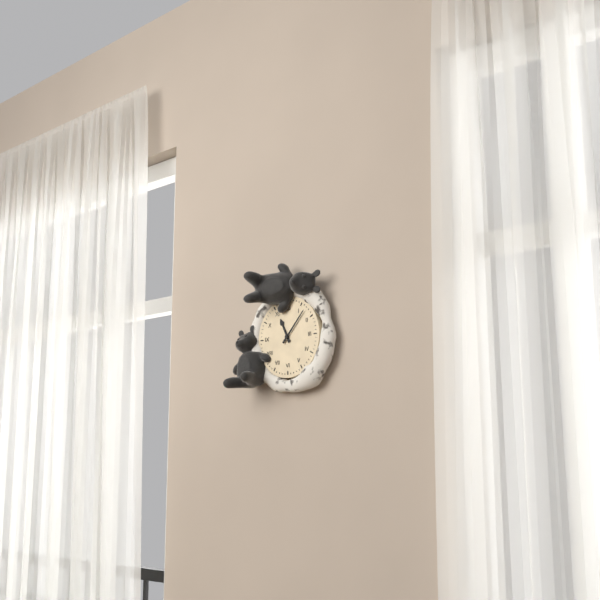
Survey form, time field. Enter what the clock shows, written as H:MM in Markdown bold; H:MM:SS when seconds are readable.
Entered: **11:07**
